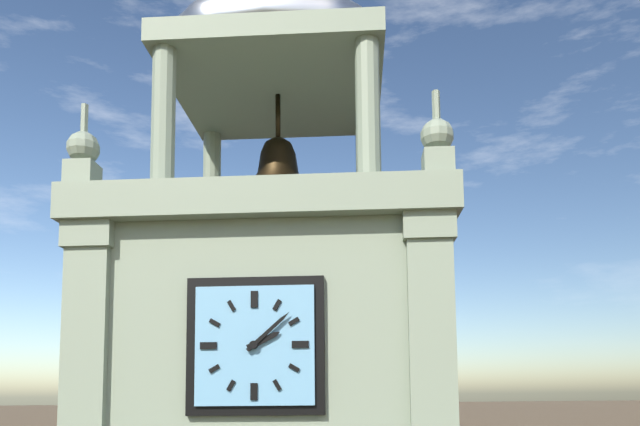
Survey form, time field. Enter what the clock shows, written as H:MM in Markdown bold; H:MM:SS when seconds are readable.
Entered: **2:08**
